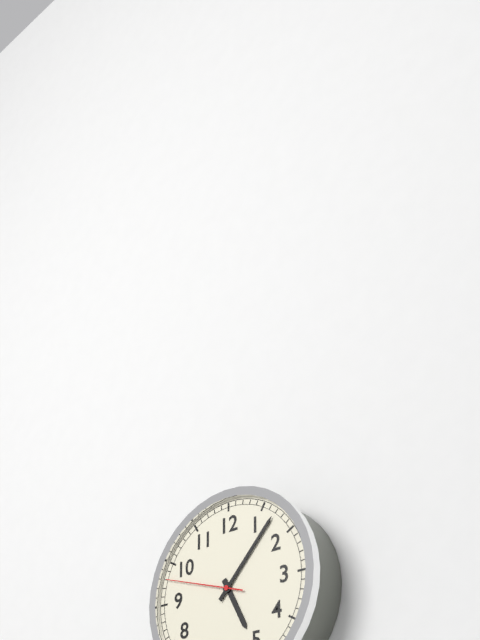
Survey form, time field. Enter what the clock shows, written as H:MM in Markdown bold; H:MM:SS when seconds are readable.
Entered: **5:07:48**
